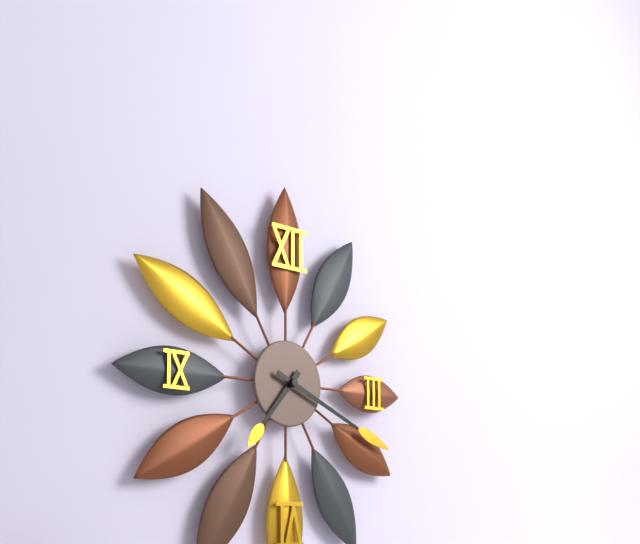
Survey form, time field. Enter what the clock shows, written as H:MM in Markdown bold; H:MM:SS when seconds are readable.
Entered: **7:19**
